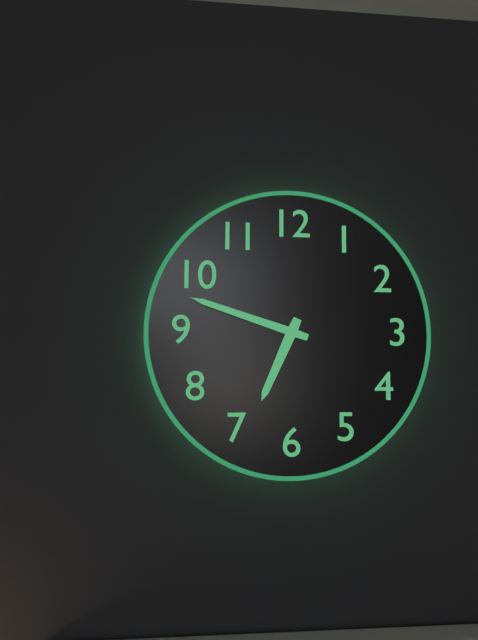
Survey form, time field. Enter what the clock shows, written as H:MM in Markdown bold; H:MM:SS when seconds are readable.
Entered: **6:48**
